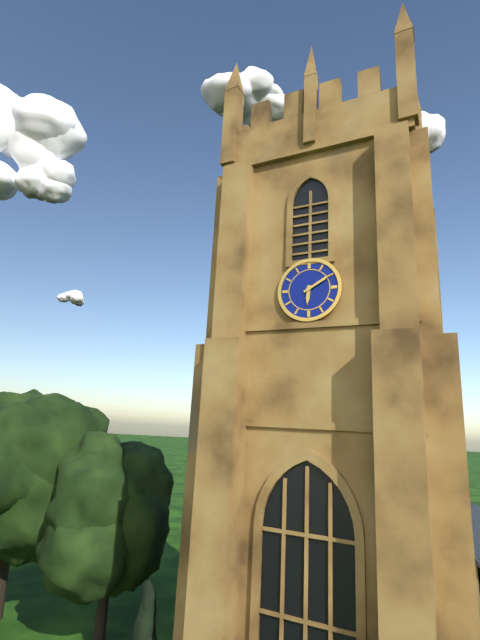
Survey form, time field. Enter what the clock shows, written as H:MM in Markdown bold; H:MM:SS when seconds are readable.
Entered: **6:10**
